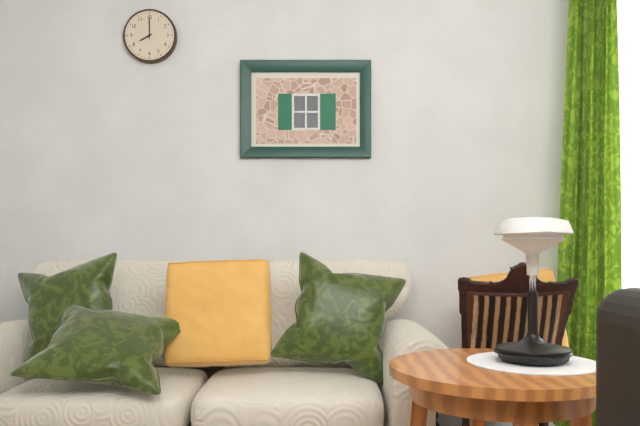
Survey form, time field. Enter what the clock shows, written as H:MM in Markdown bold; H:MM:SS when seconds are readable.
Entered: **8:00**
